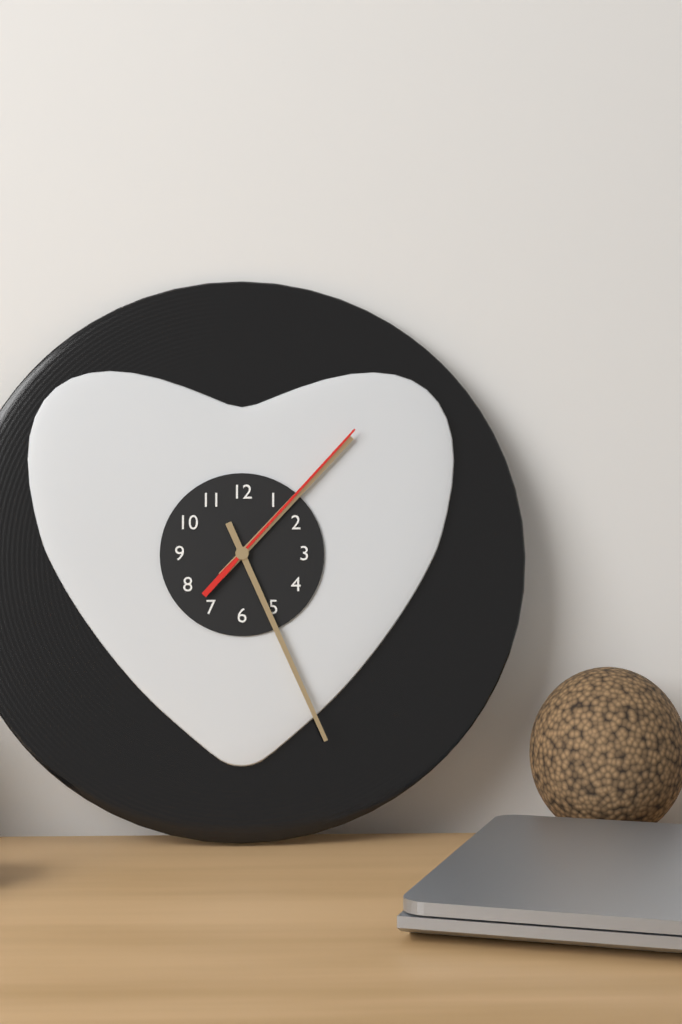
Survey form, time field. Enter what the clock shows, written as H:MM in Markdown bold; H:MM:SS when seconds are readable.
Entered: **1:26:07**
